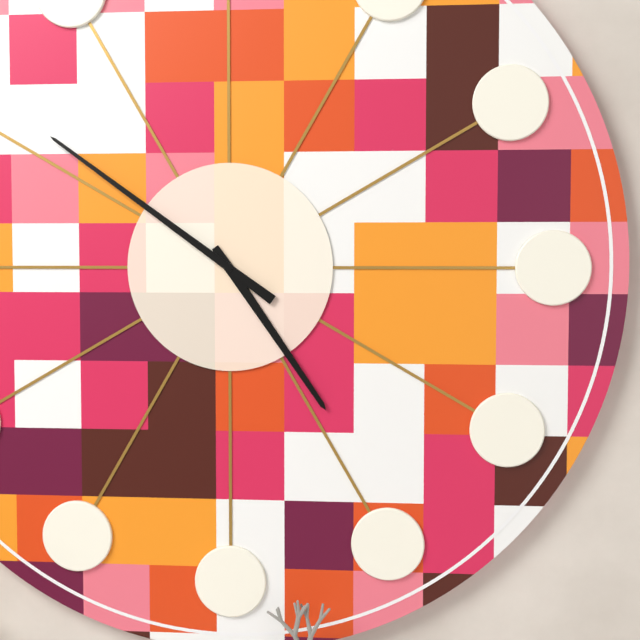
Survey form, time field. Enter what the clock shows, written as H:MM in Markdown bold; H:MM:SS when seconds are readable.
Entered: **4:51**
